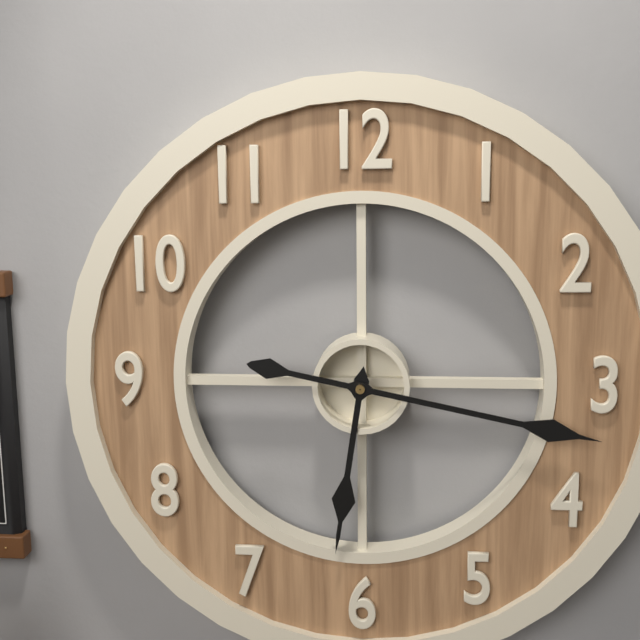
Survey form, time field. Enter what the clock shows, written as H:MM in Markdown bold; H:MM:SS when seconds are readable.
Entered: **6:17**
